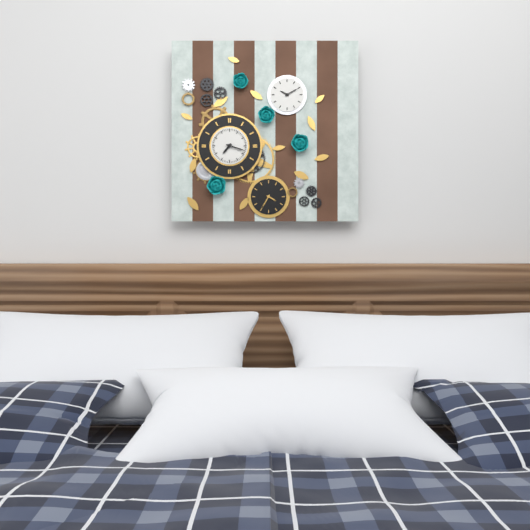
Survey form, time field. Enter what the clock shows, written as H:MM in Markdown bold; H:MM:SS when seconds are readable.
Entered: **7:18**
